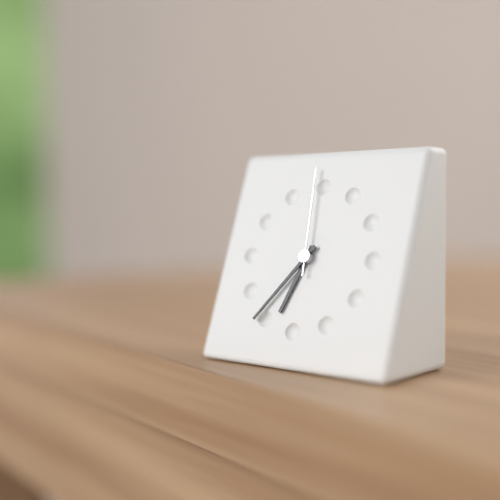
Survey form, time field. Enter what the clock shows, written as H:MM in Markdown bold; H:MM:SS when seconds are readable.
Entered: **6:36:59**
